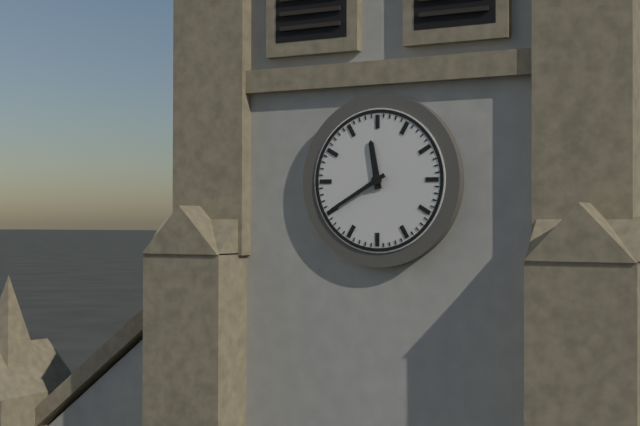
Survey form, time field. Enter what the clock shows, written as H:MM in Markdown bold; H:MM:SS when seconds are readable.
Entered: **11:40**
